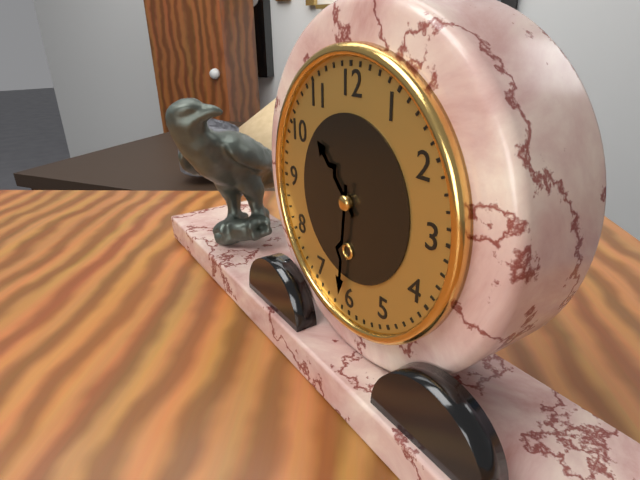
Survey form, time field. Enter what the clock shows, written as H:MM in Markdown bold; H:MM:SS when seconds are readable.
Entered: **10:31**
